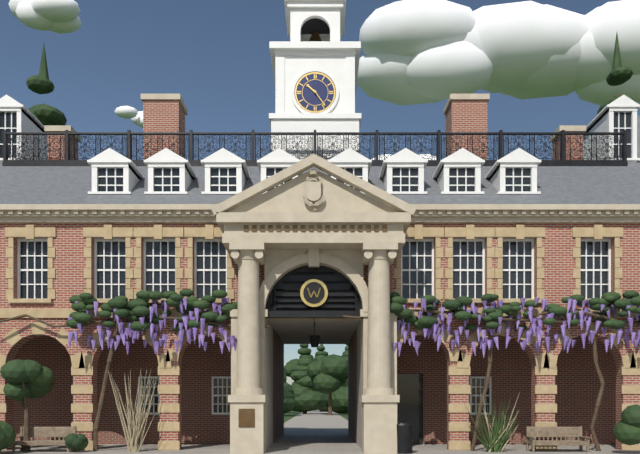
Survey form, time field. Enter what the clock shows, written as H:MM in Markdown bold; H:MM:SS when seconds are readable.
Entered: **10:24**
